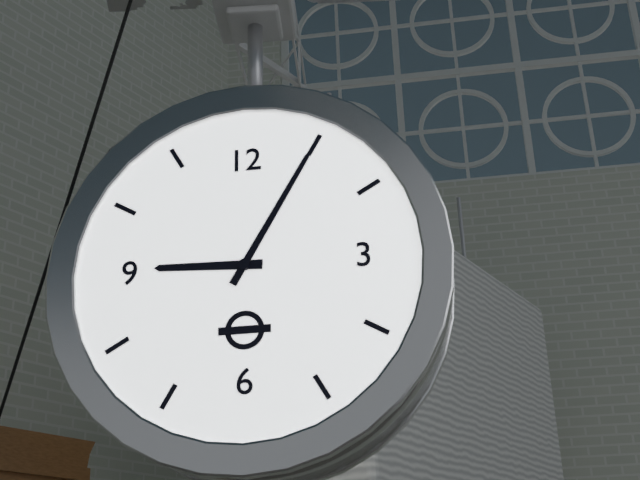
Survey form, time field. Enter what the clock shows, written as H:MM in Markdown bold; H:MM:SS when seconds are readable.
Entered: **9:05**
